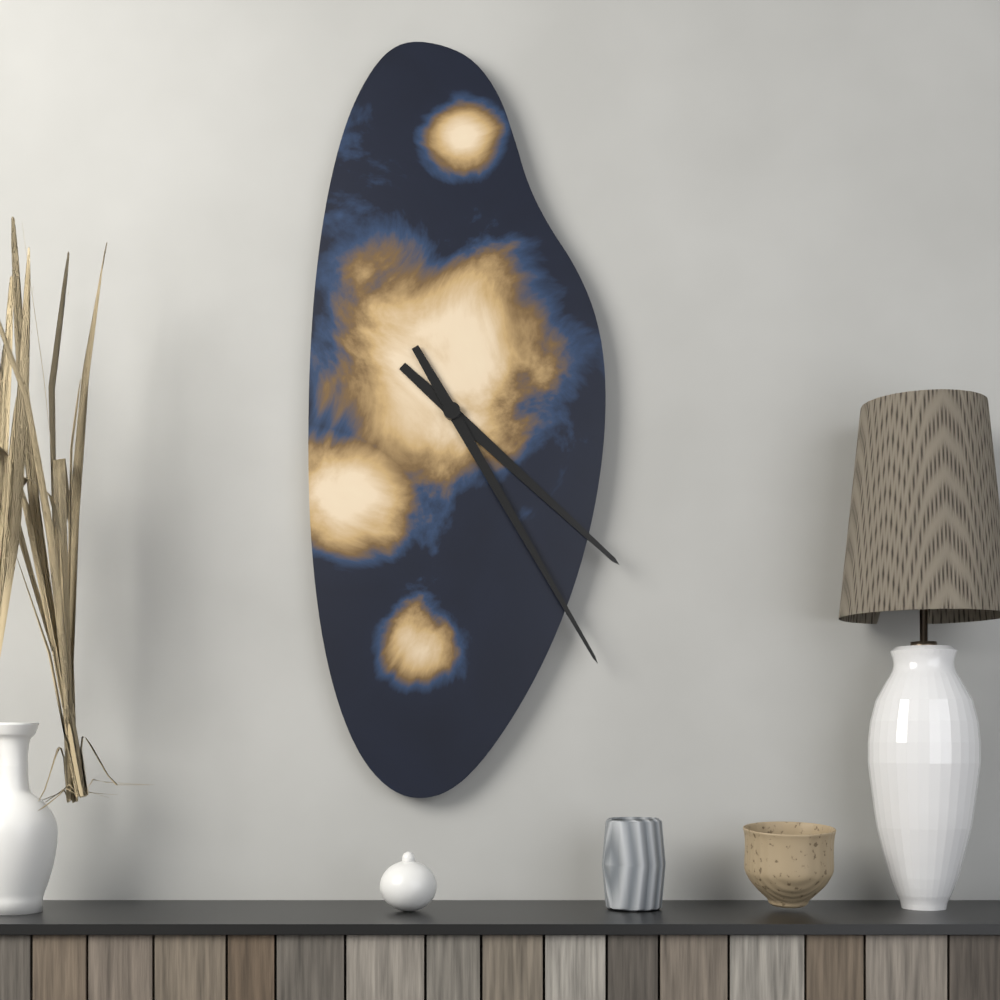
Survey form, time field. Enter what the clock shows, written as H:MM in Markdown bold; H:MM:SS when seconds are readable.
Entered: **4:25**
